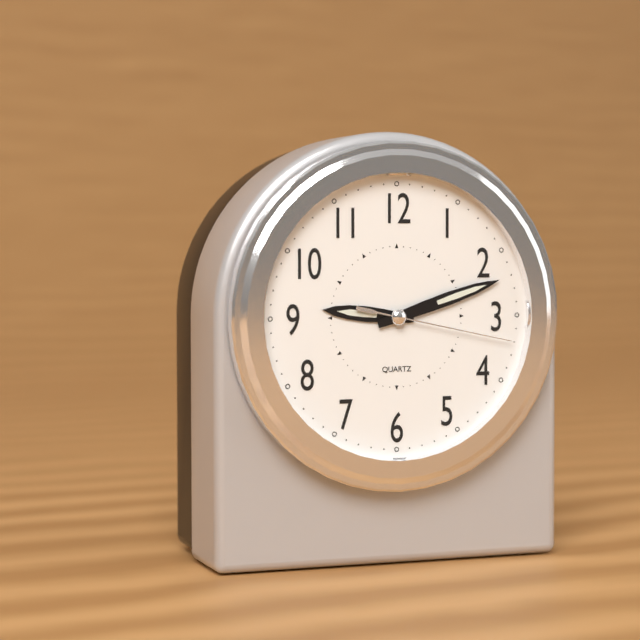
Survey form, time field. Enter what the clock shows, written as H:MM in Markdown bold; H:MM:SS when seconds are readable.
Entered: **9:12:17**
